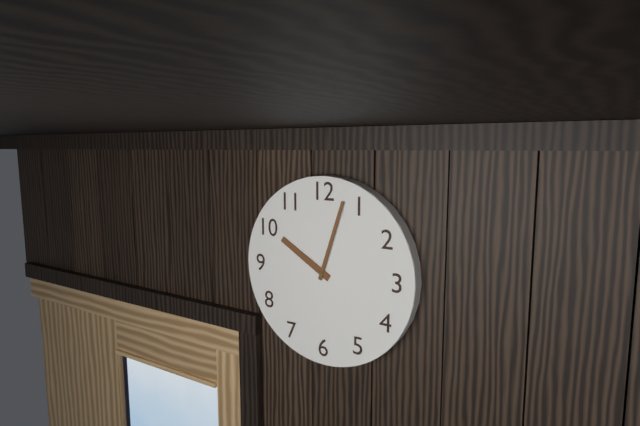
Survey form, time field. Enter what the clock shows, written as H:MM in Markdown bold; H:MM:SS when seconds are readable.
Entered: **10:03**
